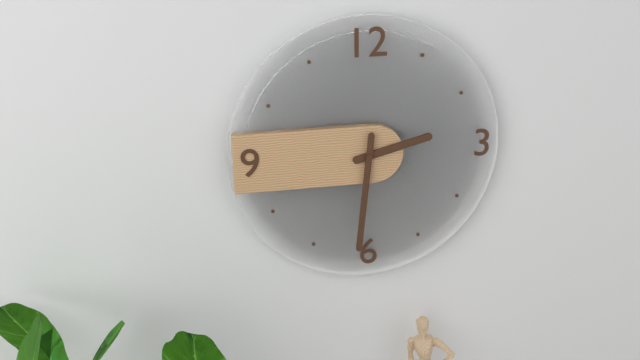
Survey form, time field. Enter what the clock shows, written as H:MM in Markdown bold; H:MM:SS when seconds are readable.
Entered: **2:31**
